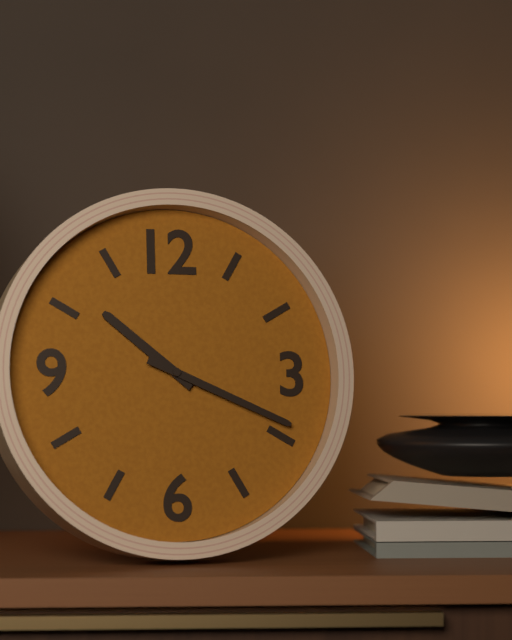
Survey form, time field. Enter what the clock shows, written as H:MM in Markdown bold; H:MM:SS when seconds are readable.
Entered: **10:19**
